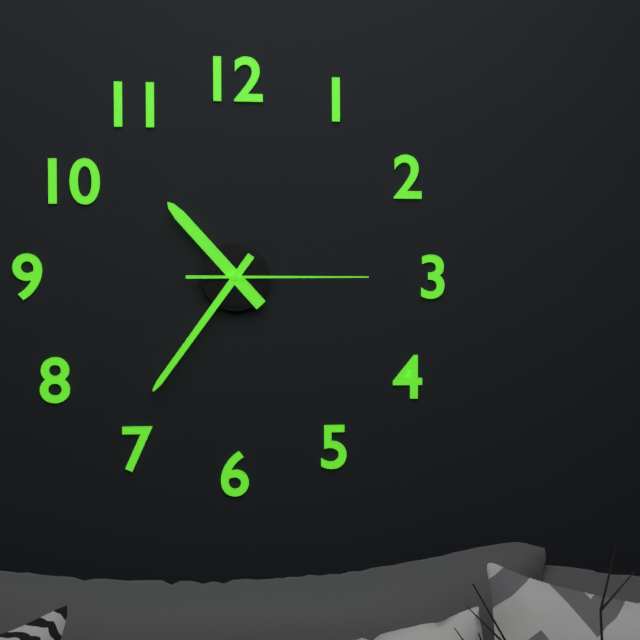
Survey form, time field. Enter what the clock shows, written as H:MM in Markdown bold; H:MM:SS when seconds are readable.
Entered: **10:36:15**
